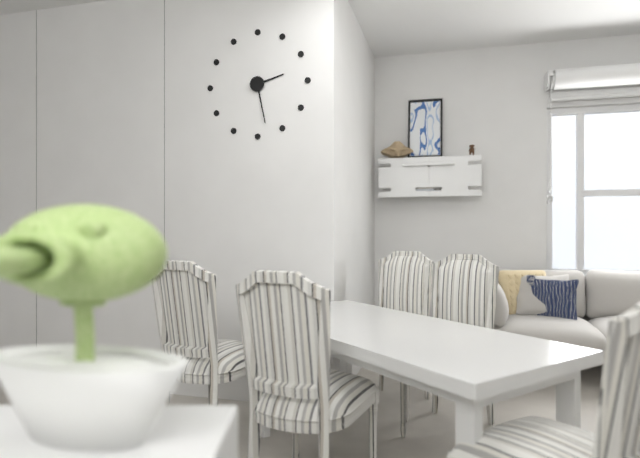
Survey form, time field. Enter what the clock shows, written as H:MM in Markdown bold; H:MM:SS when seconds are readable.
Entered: **2:28**
